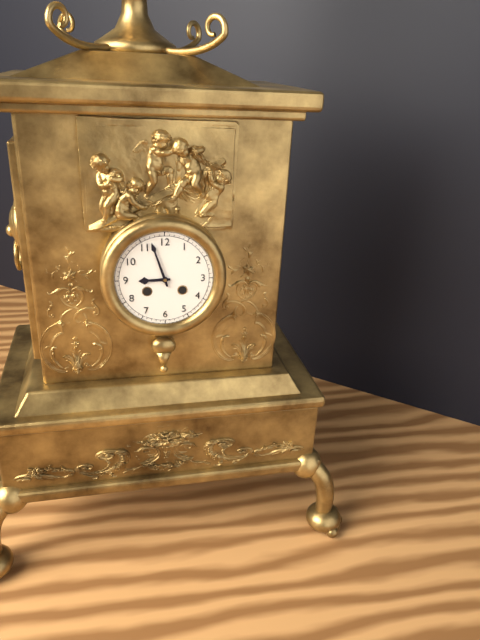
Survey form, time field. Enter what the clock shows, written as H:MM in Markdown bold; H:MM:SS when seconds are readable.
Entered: **8:57**
